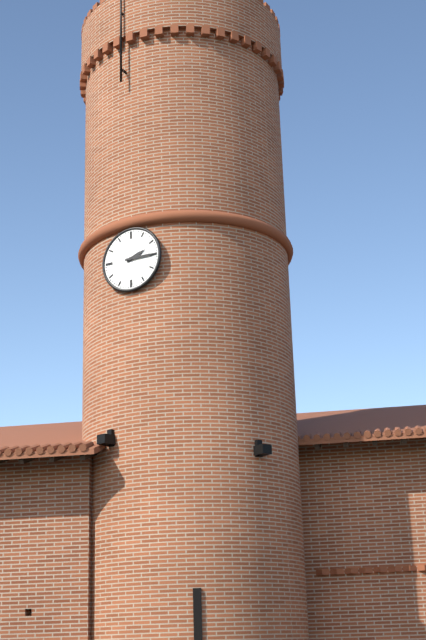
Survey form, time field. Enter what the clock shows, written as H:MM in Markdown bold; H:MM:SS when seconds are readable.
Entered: **2:15**
